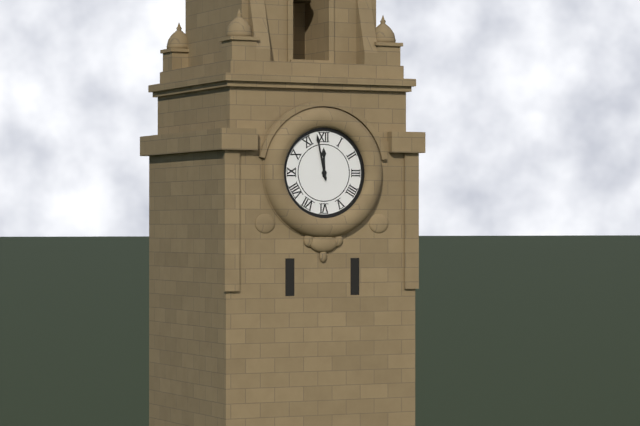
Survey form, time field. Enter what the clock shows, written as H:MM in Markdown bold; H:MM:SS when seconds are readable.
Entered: **11:58**
